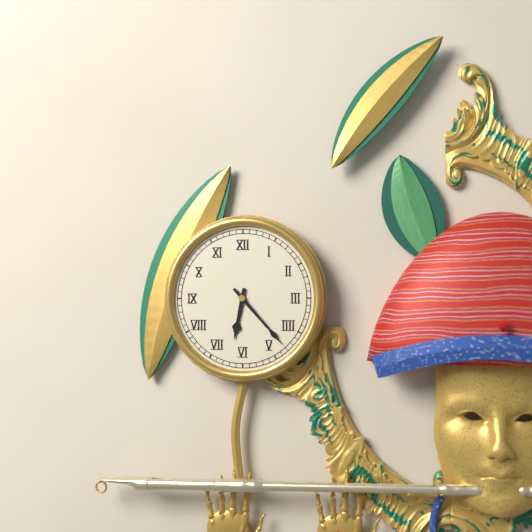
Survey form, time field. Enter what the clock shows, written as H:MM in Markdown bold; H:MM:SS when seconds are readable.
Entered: **6:23**
